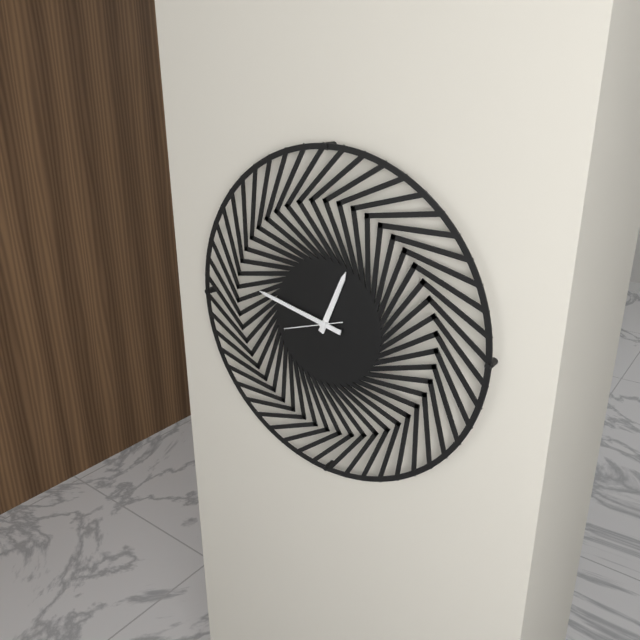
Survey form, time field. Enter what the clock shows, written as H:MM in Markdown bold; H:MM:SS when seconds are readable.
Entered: **12:47:42**
